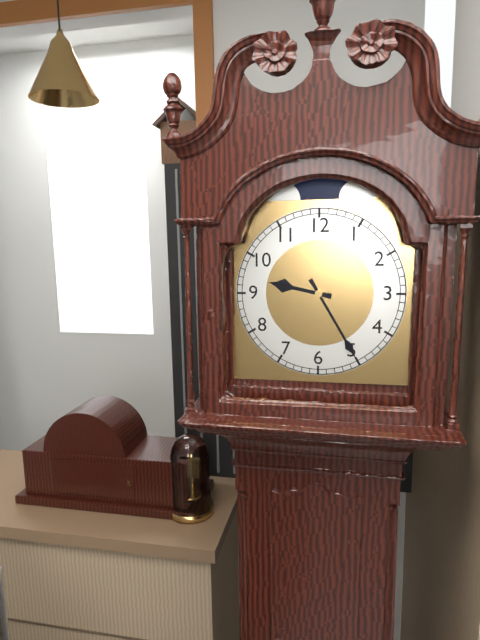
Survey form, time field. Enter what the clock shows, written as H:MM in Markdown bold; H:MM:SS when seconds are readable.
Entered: **9:25**
